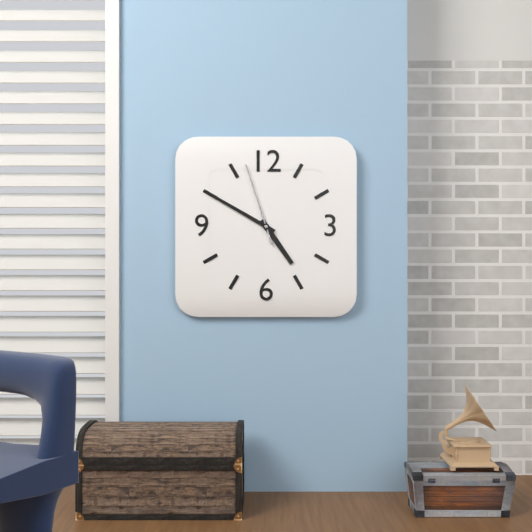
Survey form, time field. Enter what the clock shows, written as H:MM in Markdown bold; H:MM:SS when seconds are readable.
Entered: **4:50:57**
